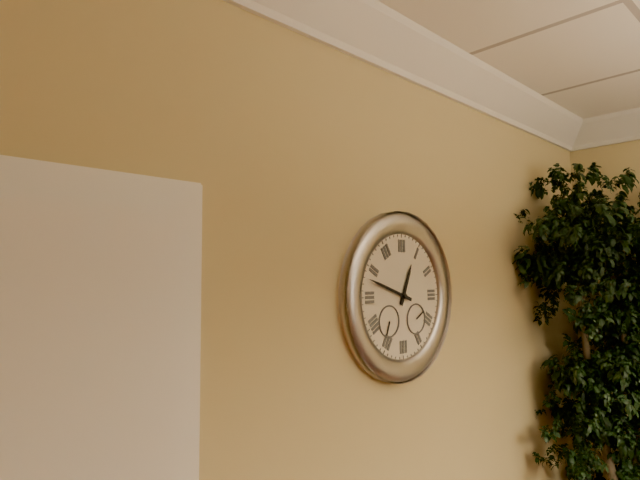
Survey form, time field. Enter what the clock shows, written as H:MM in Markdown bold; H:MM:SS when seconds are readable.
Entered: **12:48**
